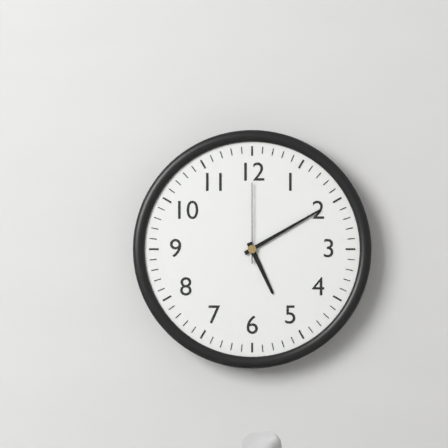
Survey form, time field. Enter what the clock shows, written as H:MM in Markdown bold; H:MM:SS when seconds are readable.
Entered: **5:10:00**
